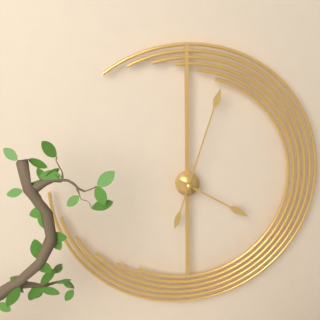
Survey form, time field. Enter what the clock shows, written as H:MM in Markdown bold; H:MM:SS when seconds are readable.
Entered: **4:03**
